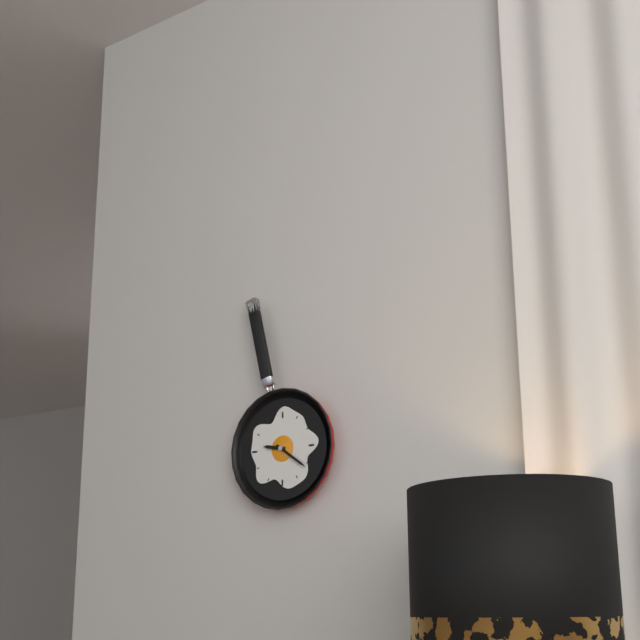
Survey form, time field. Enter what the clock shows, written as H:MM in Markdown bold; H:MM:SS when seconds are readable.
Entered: **9:21**
